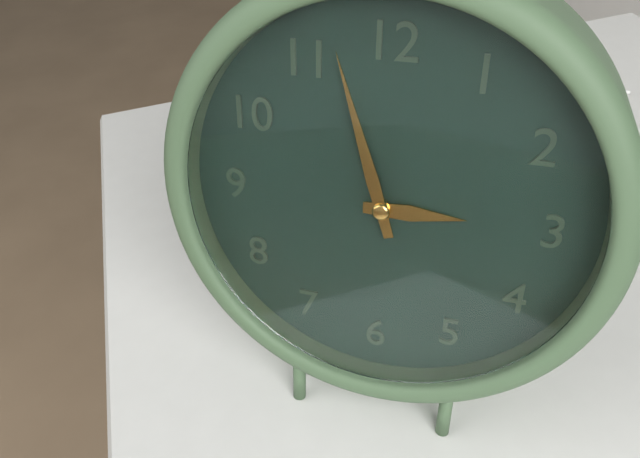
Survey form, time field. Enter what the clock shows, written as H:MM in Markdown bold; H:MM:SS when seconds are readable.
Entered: **2:57**
